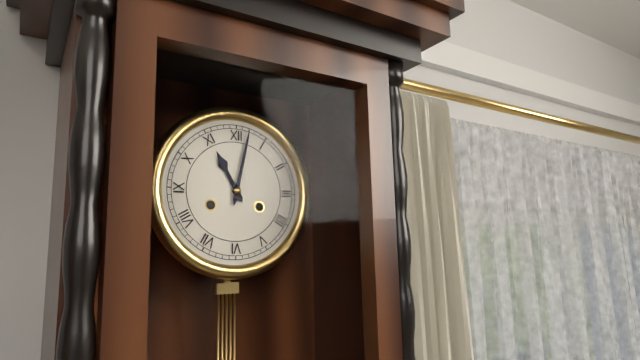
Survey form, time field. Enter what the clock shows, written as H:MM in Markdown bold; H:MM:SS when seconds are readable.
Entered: **11:02**
